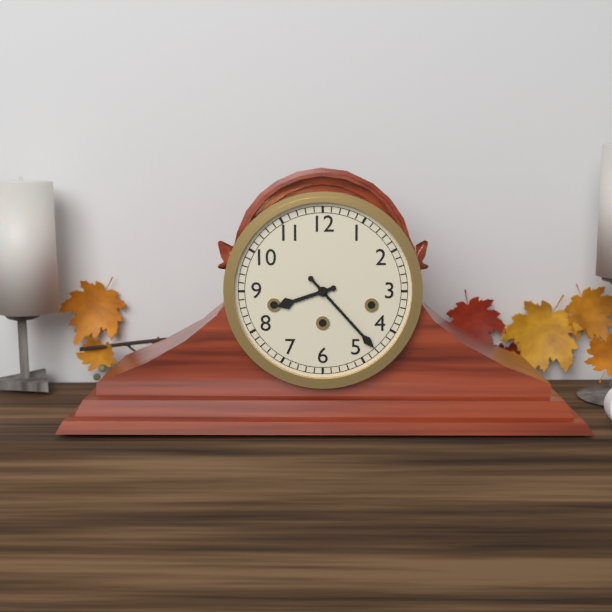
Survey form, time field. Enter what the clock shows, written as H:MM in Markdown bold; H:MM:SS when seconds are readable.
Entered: **8:23**
